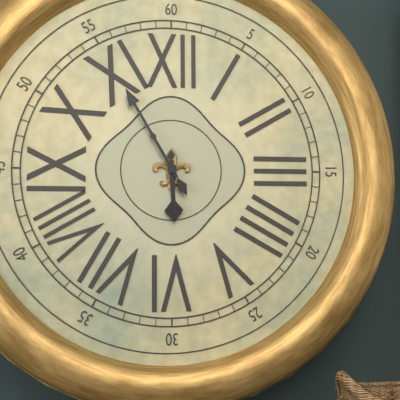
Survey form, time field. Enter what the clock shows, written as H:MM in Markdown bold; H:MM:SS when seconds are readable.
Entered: **5:55**
